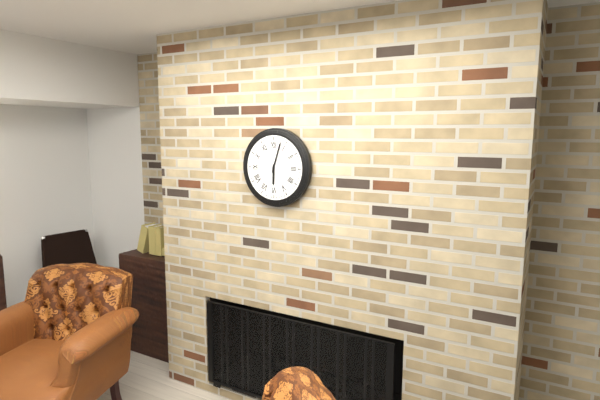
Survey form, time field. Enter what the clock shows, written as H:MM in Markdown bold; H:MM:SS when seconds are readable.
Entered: **6:03**
